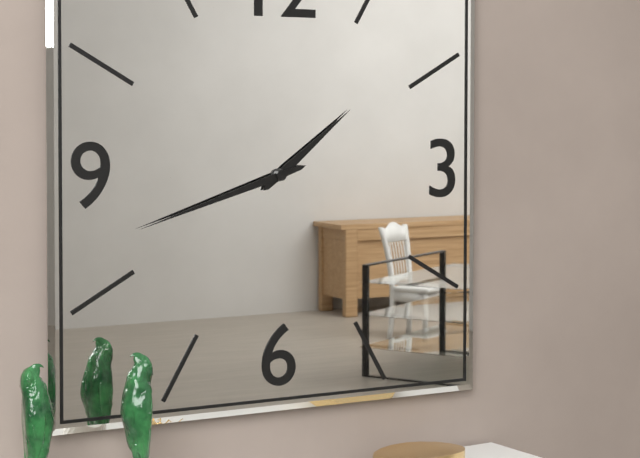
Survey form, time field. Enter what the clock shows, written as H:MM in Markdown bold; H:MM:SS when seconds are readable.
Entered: **1:42**
